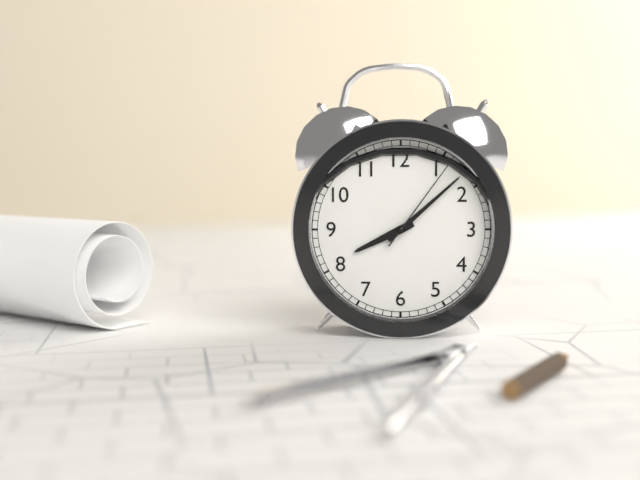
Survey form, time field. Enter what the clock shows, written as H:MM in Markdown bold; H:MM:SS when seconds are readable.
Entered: **8:08:06**
